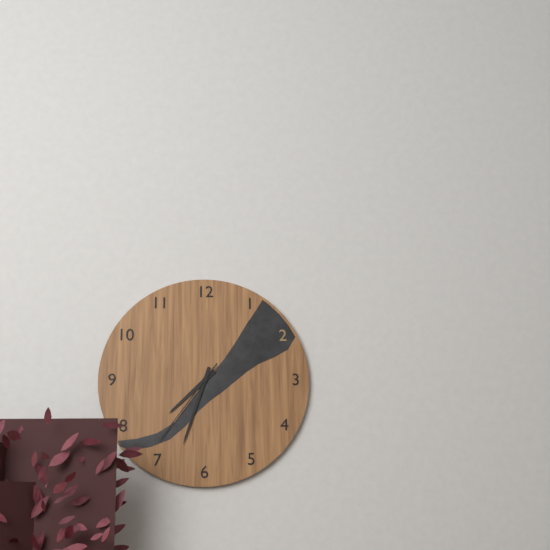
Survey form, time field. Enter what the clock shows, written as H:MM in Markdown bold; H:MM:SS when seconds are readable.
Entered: **7:33:36**
